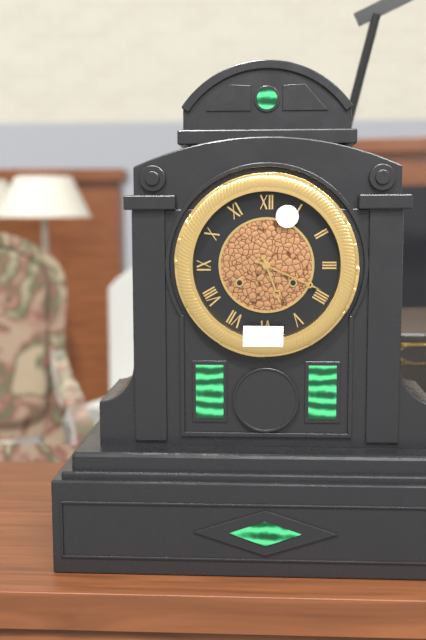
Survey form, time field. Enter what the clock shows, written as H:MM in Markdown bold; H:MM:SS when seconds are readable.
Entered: **5:19**
